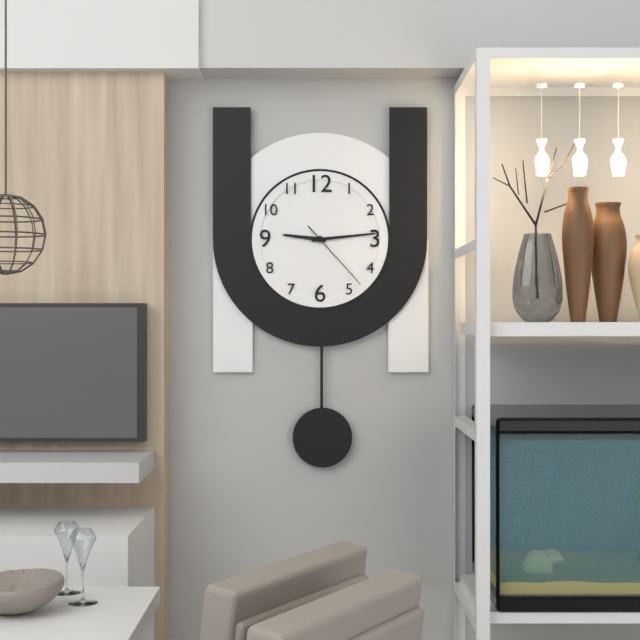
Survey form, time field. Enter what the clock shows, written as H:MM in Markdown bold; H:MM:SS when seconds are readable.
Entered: **9:14:23**
